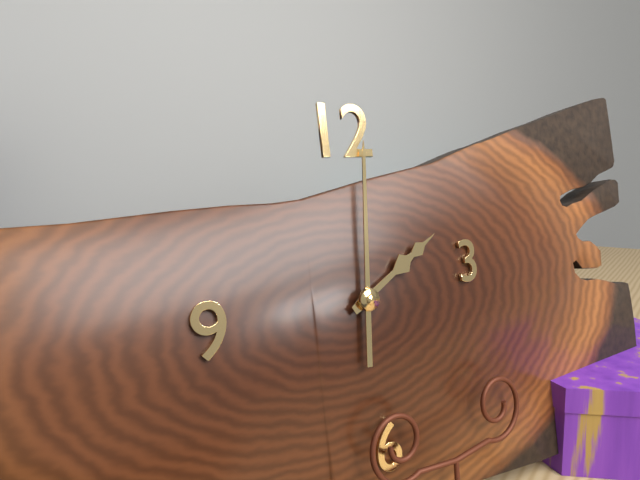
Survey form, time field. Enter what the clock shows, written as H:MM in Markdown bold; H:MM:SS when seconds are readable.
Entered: **2:01**
